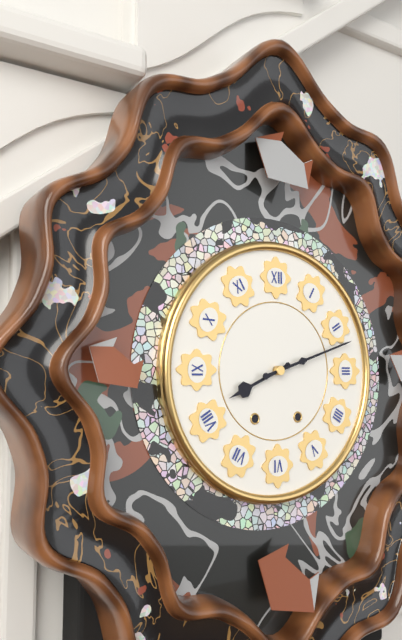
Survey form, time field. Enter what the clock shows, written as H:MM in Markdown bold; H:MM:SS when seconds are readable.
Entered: **8:12**
